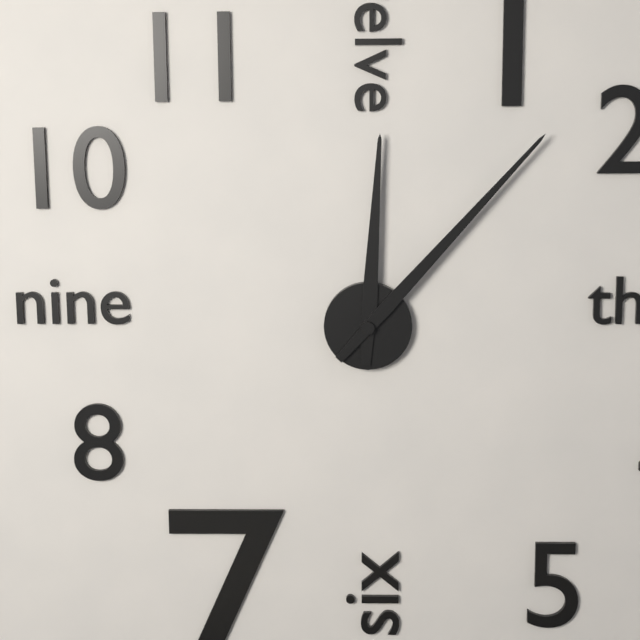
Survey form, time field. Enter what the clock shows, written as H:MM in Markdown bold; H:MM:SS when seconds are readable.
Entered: **12:07**
